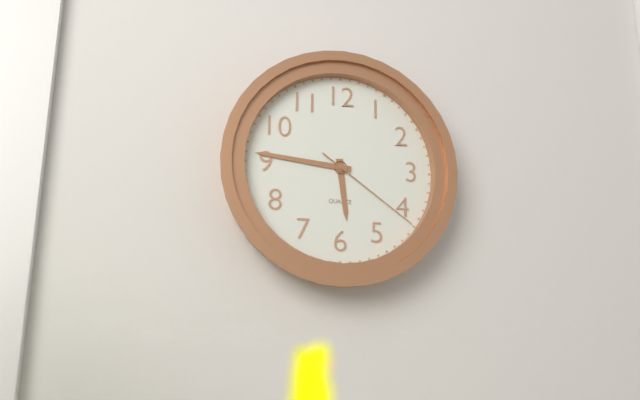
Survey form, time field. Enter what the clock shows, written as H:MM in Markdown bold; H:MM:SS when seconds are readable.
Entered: **5:46:21**
